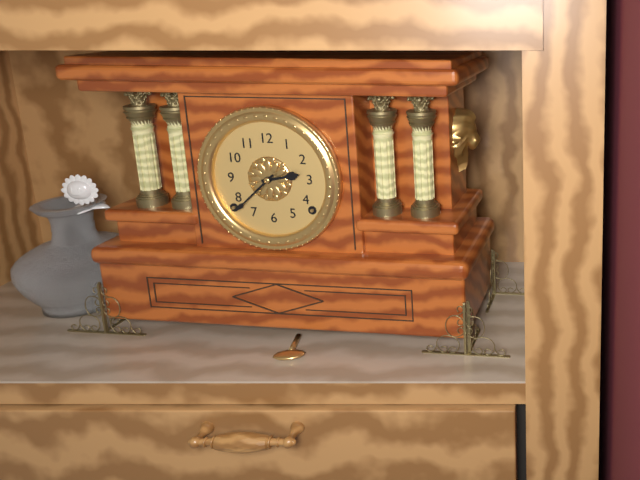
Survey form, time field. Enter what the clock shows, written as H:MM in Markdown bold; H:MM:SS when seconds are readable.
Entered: **2:38**
